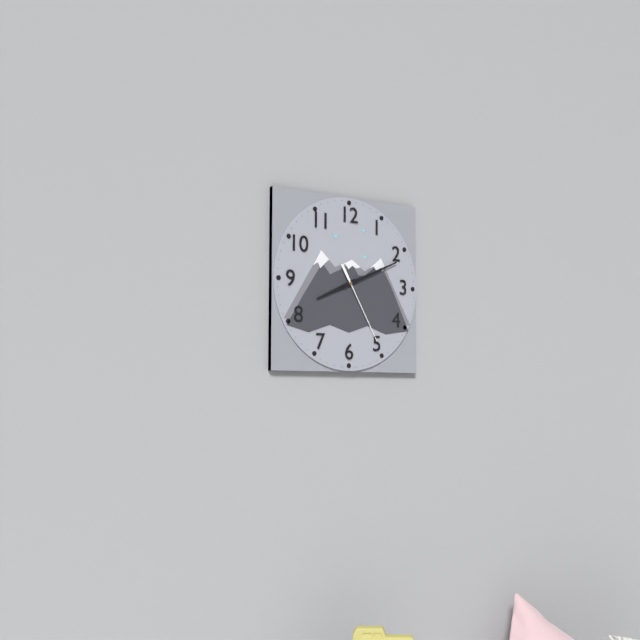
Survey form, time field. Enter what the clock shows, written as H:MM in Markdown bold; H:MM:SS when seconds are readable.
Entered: **8:11:25**
